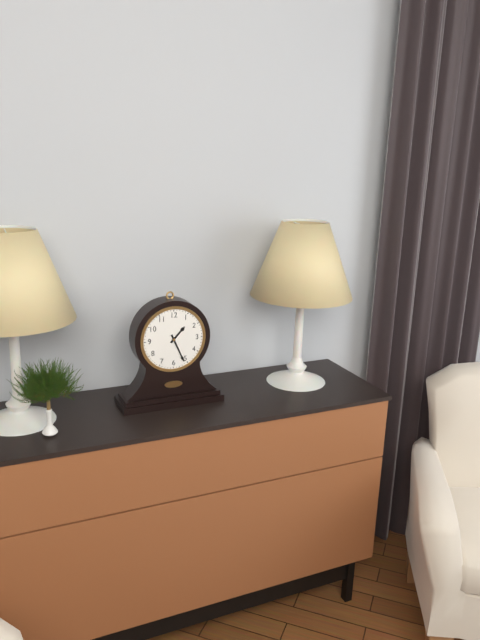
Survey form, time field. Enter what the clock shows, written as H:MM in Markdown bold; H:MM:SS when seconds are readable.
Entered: **1:26**
